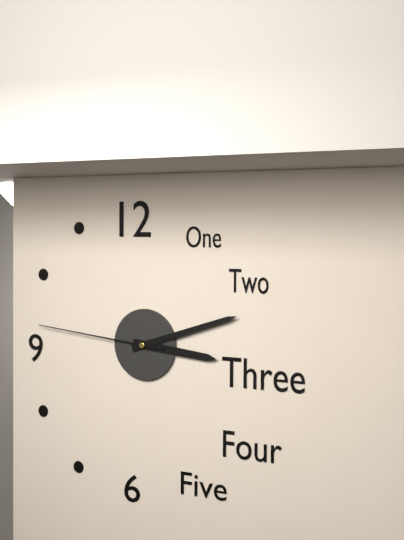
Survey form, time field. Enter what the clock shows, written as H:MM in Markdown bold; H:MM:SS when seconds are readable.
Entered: **3:12:46**
